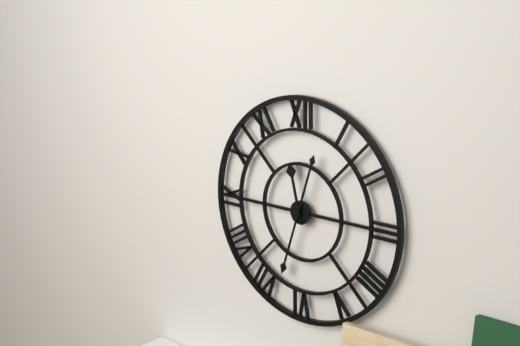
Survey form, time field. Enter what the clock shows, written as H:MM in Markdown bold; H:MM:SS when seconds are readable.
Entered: **11:33**
